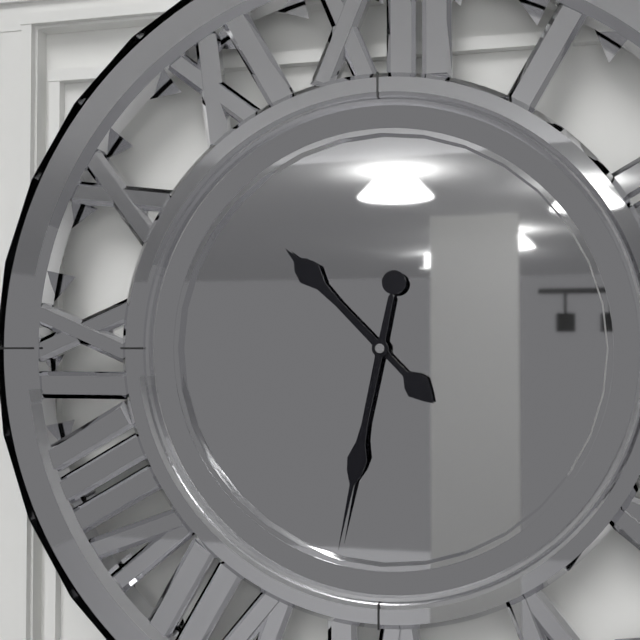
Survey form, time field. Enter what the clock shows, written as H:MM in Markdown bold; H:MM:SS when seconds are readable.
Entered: **10:32**
